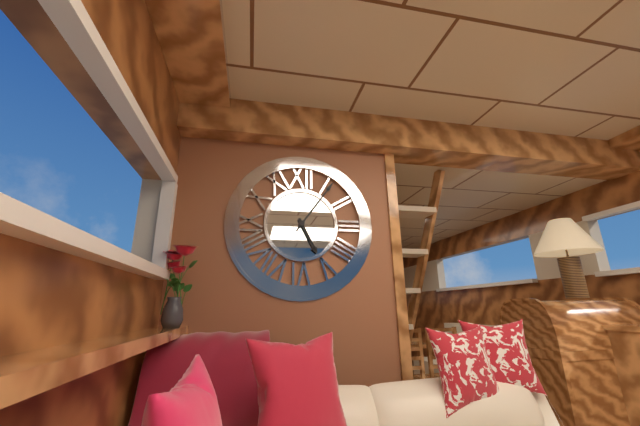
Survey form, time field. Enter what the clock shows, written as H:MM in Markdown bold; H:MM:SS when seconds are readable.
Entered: **5:06**
